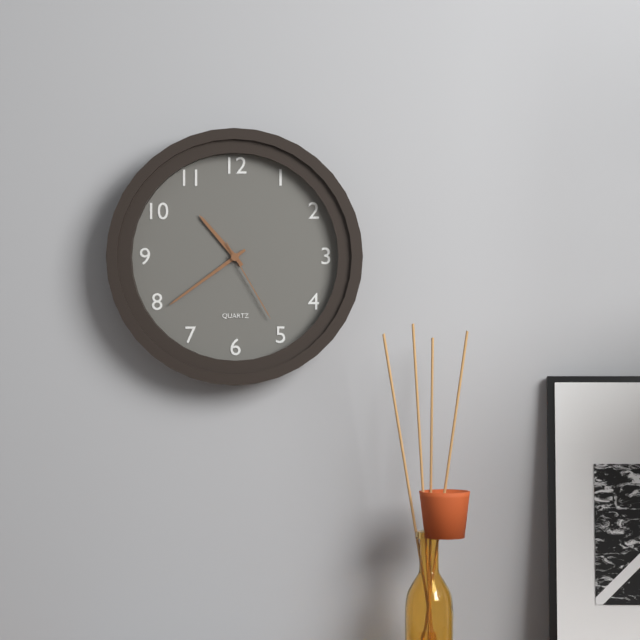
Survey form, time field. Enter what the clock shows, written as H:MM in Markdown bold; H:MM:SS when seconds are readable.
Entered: **10:39:25**
